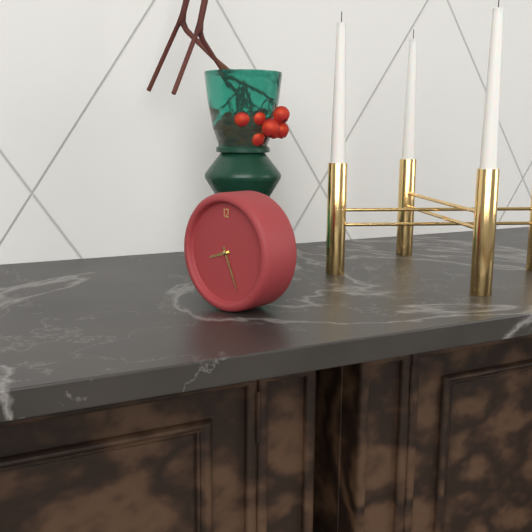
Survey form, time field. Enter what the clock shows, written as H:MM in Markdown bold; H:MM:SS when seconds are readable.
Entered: **8:26**
